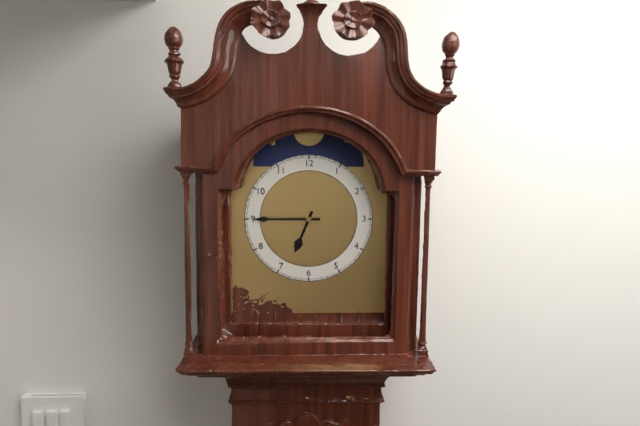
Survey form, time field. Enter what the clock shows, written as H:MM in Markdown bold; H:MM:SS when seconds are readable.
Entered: **6:45**
